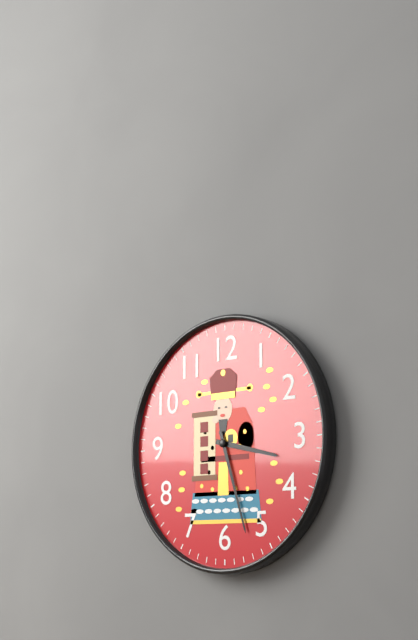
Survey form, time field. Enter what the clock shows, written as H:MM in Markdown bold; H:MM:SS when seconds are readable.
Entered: **3:27**
